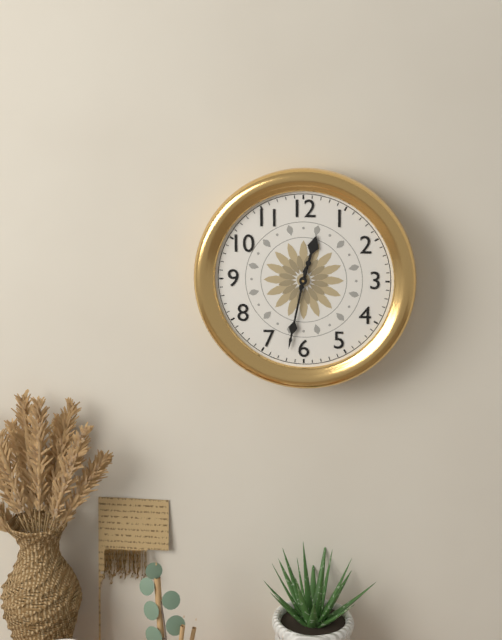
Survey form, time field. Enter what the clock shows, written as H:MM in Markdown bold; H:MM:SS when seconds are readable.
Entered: **12:32**
